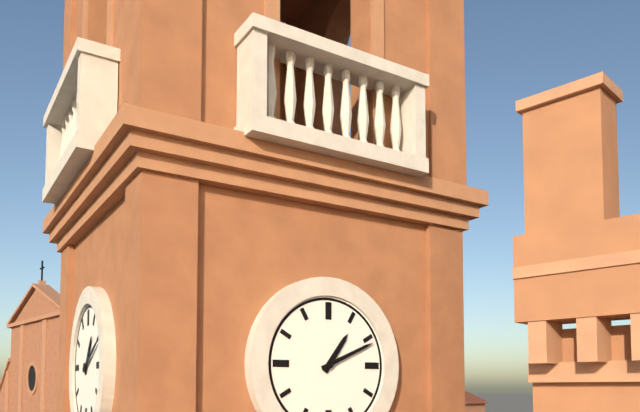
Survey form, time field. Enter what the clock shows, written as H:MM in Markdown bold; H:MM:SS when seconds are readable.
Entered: **1:11**
